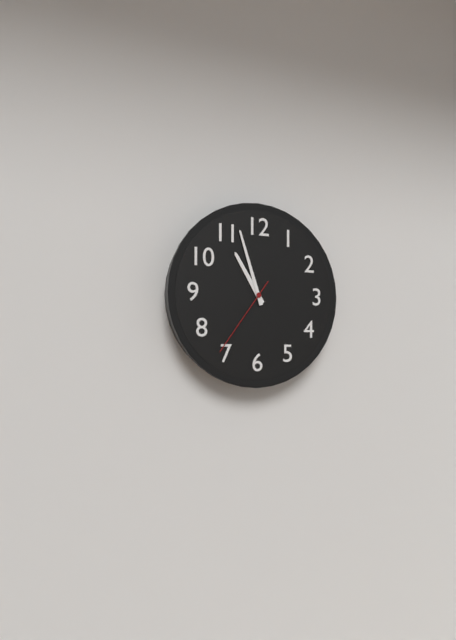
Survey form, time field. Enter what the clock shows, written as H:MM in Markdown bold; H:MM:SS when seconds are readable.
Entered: **10:57:36**
